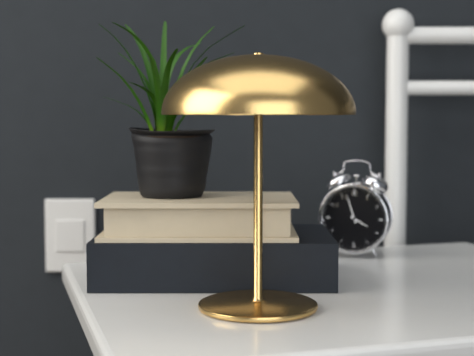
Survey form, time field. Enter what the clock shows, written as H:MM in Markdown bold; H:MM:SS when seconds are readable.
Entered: **3:57**
